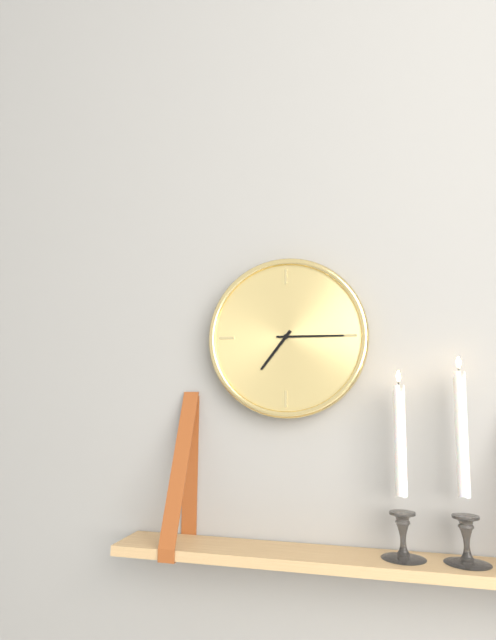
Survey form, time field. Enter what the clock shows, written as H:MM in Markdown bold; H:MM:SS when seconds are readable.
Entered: **7:15**
